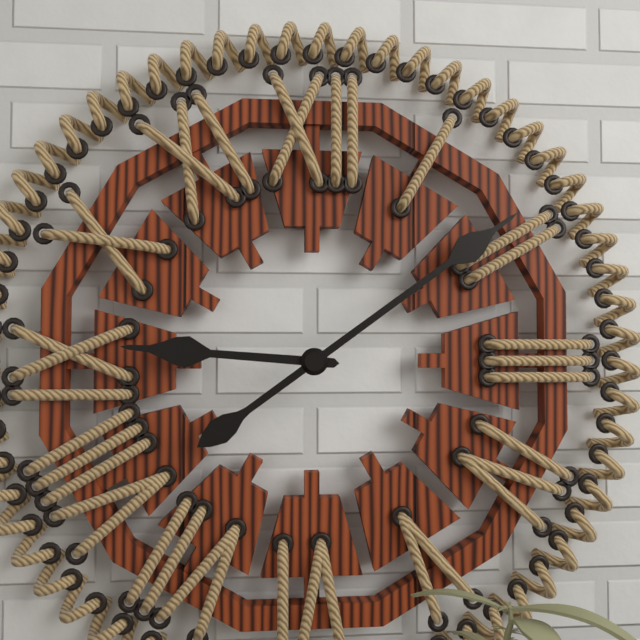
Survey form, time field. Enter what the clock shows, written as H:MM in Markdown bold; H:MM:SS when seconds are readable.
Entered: **9:09**
